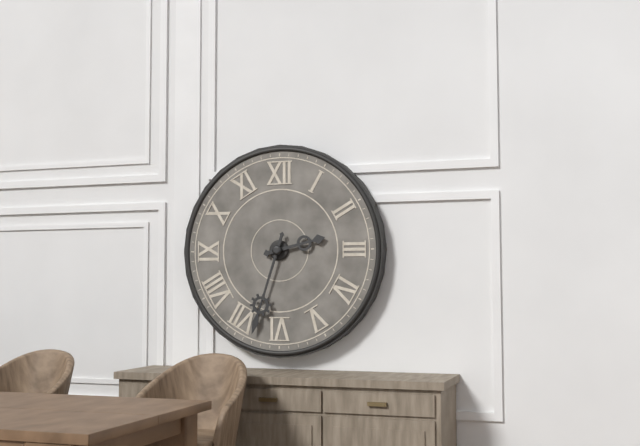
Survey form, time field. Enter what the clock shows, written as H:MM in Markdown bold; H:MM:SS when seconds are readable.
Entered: **2:33**
